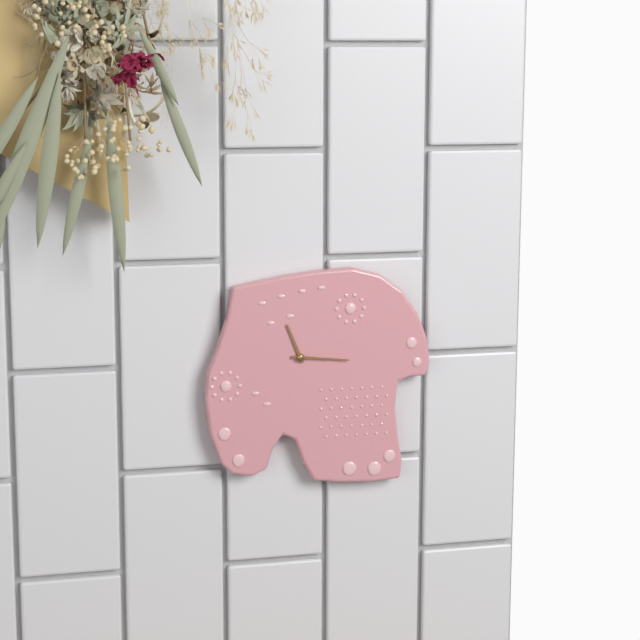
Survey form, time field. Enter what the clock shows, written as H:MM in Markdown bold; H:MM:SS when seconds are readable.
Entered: **11:16**
